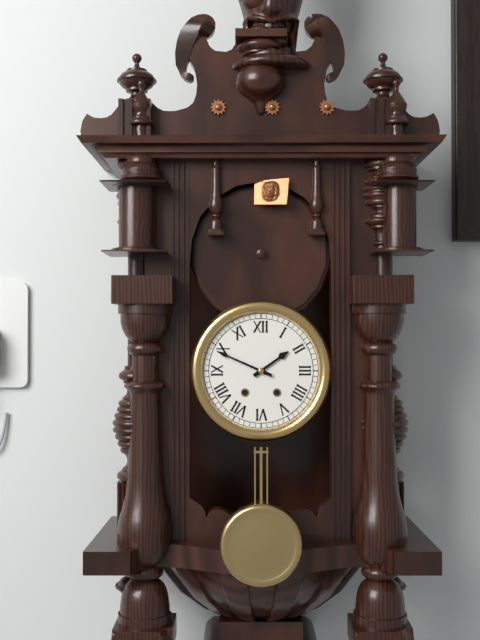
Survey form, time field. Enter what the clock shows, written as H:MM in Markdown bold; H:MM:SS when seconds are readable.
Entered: **1:49**
